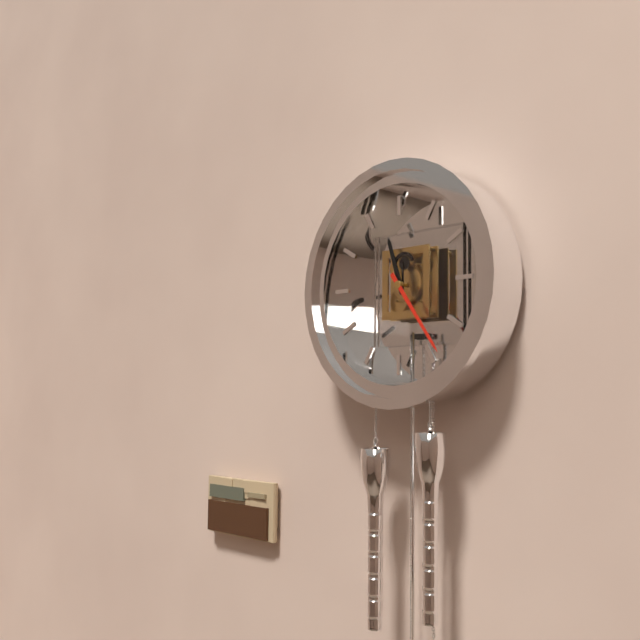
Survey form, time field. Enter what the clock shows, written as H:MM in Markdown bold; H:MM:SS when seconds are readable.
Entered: **11:24**
